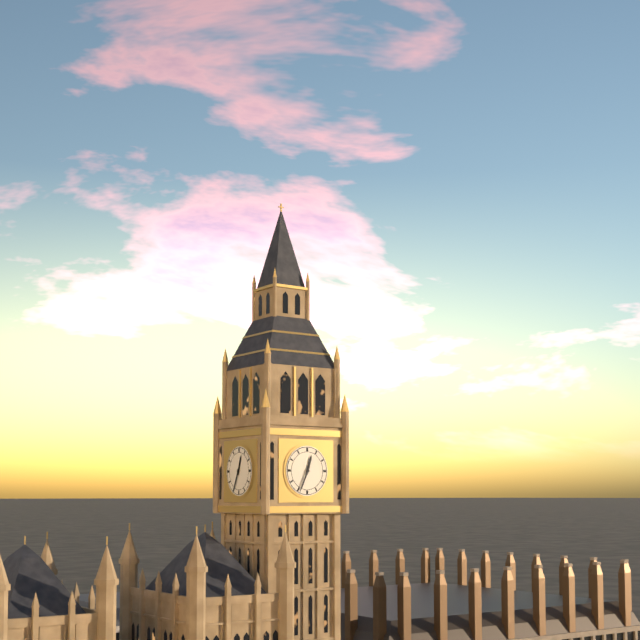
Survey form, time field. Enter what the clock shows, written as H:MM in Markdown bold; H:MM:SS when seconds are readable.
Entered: **12:34**
